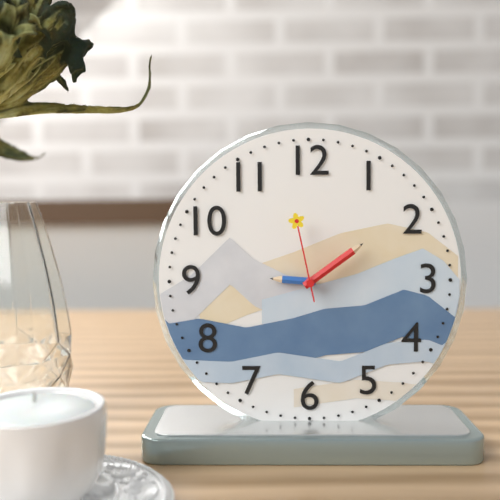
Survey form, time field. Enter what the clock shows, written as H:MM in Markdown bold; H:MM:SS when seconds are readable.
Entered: **9:09:58**
